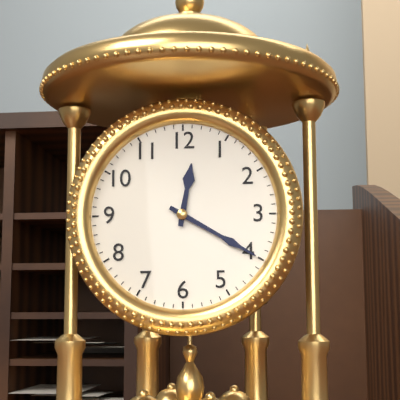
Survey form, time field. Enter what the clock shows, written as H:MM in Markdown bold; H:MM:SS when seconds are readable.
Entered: **12:20**
